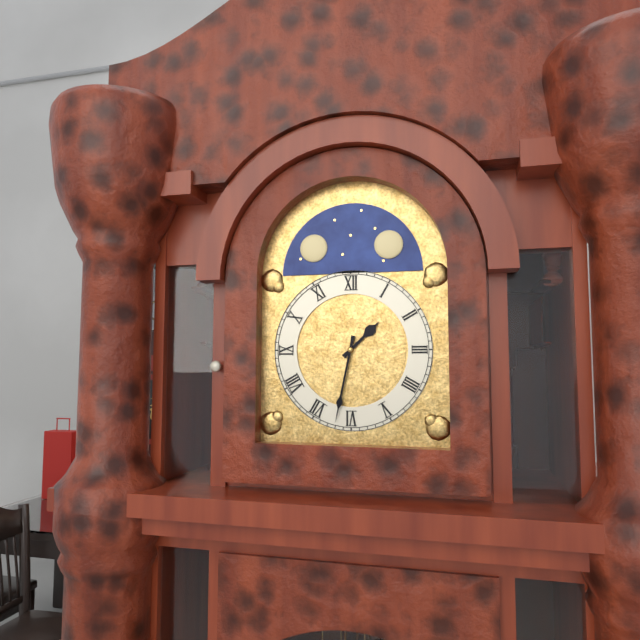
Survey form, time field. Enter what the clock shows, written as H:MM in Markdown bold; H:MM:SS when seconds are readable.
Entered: **1:32**
